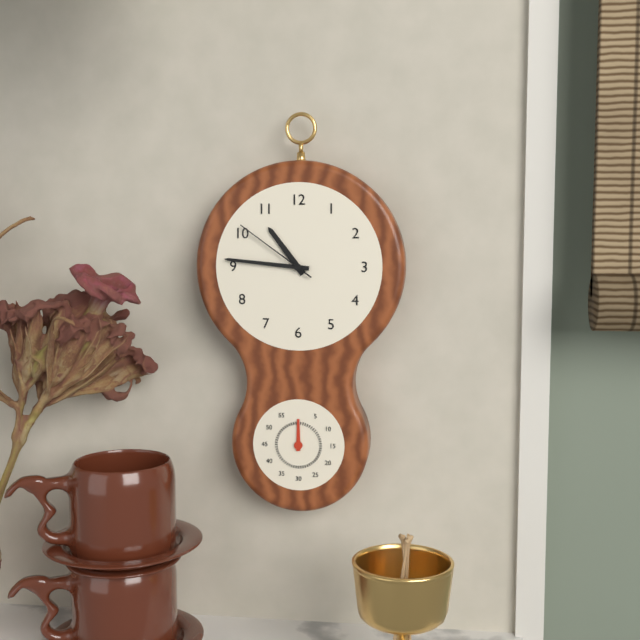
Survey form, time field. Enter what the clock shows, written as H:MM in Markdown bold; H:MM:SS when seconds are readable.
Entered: **10:46:51**
